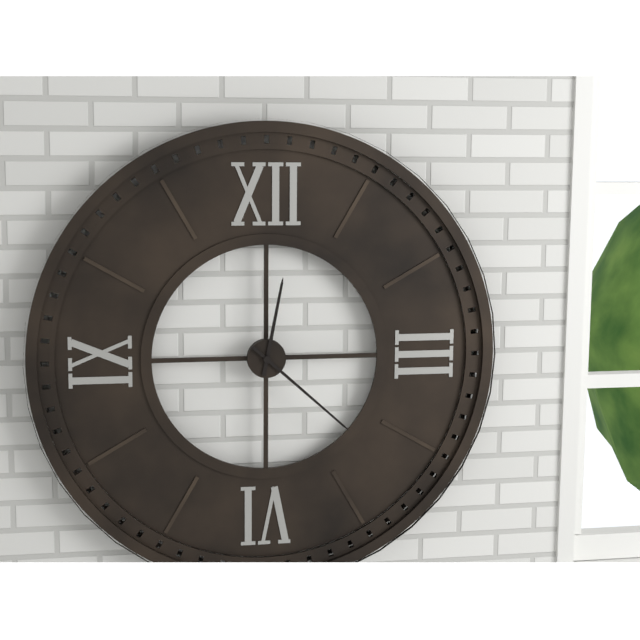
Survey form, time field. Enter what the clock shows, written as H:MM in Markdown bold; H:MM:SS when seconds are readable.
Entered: **12:22**
